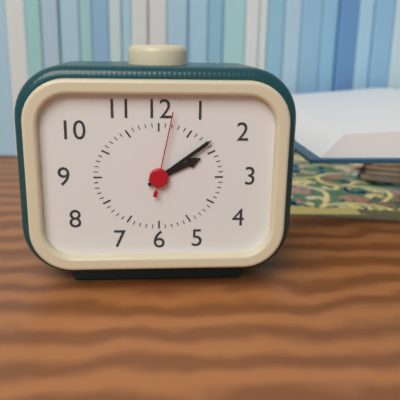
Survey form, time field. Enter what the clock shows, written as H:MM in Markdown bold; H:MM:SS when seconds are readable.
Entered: **2:09:02**
